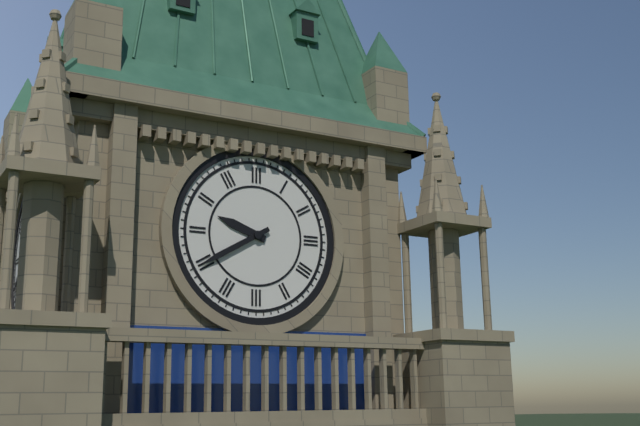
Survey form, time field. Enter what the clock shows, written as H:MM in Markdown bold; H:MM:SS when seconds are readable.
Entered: **9:40**
